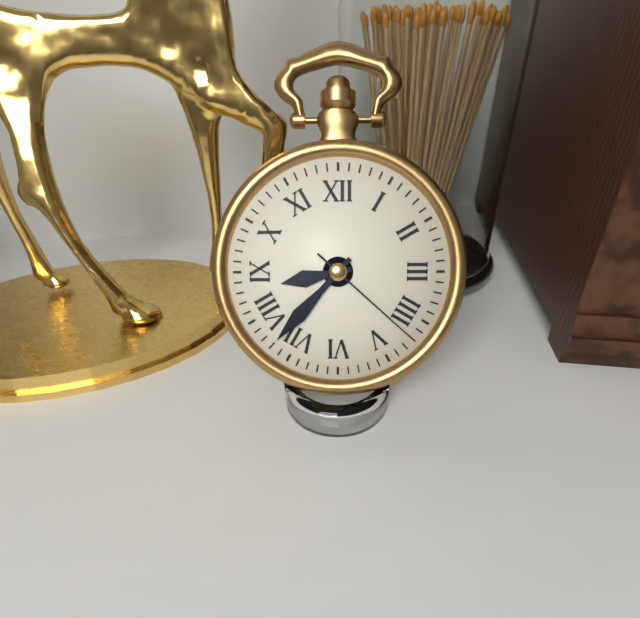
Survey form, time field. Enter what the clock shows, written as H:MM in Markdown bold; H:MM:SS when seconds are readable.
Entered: **8:37:22**
